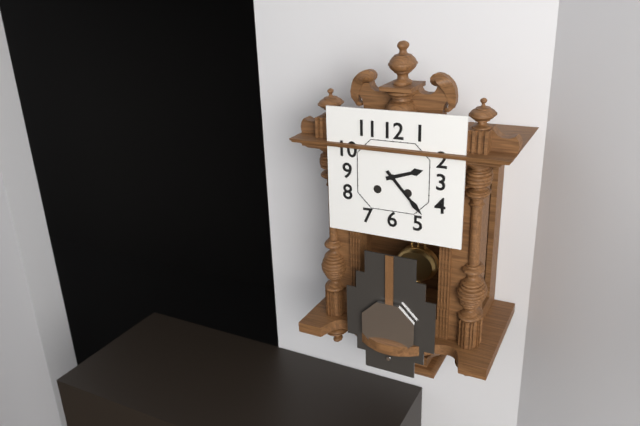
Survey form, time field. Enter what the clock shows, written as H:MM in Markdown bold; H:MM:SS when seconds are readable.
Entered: **2:23**
